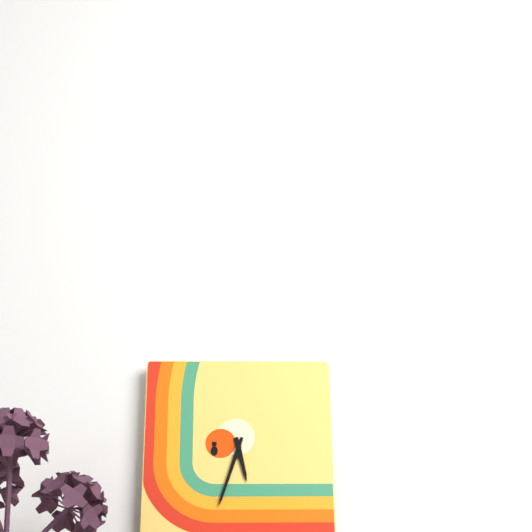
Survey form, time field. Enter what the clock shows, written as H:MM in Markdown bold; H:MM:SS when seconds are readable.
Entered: **5:33**
